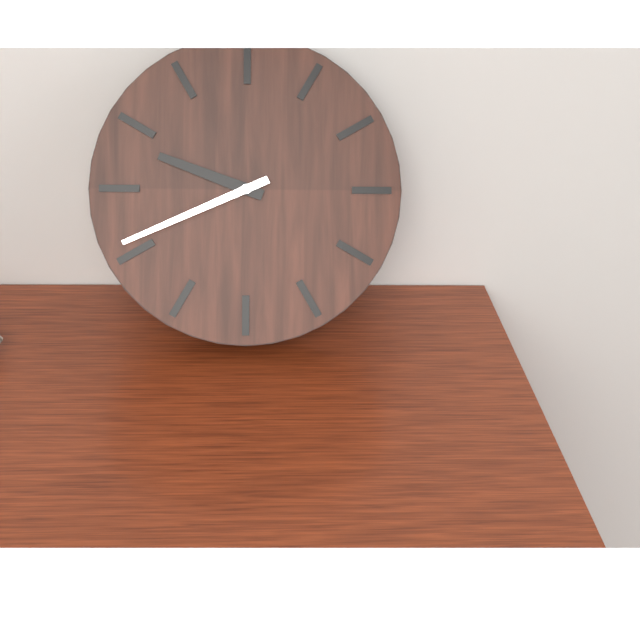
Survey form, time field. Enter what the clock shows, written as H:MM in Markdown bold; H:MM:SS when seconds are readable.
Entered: **9:41**
